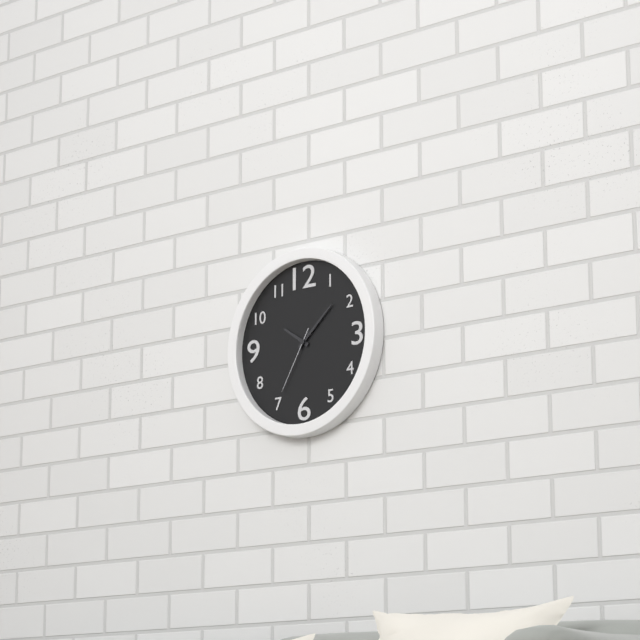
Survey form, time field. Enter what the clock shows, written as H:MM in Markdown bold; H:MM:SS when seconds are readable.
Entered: **10:08:35**
